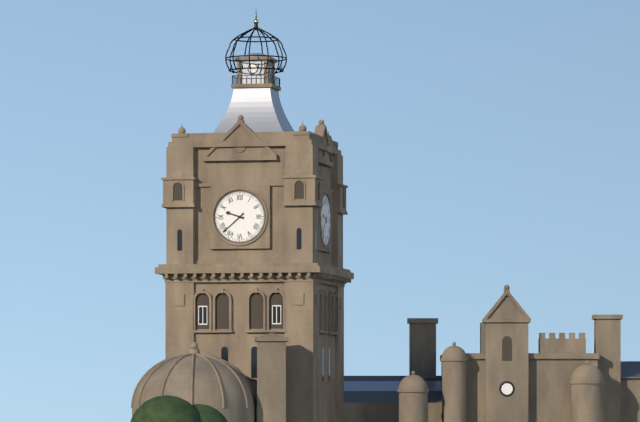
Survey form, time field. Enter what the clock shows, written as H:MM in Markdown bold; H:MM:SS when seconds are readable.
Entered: **9:38**
